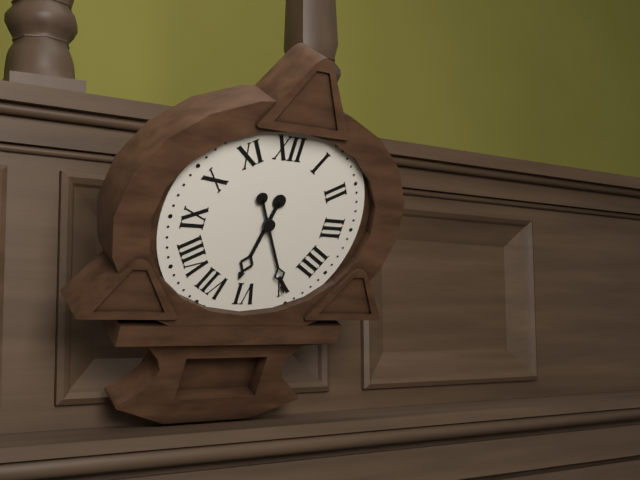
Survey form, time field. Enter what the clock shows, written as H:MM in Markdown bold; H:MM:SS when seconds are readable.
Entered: **6:25**
